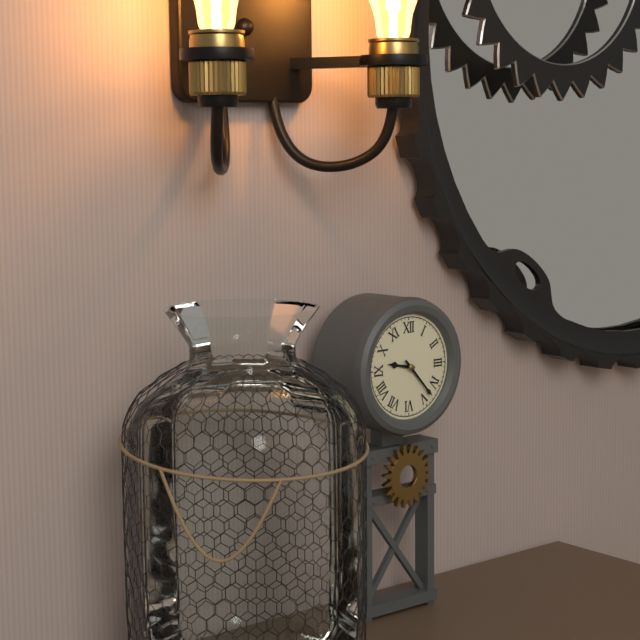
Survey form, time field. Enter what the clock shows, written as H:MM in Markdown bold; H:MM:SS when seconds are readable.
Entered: **9:23**
